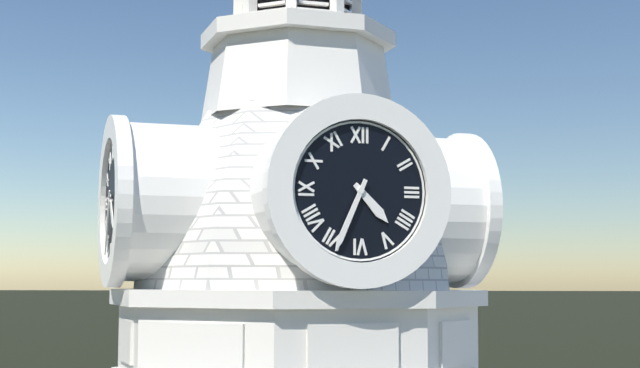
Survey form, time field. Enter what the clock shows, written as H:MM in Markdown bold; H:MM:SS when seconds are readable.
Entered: **4:34**
